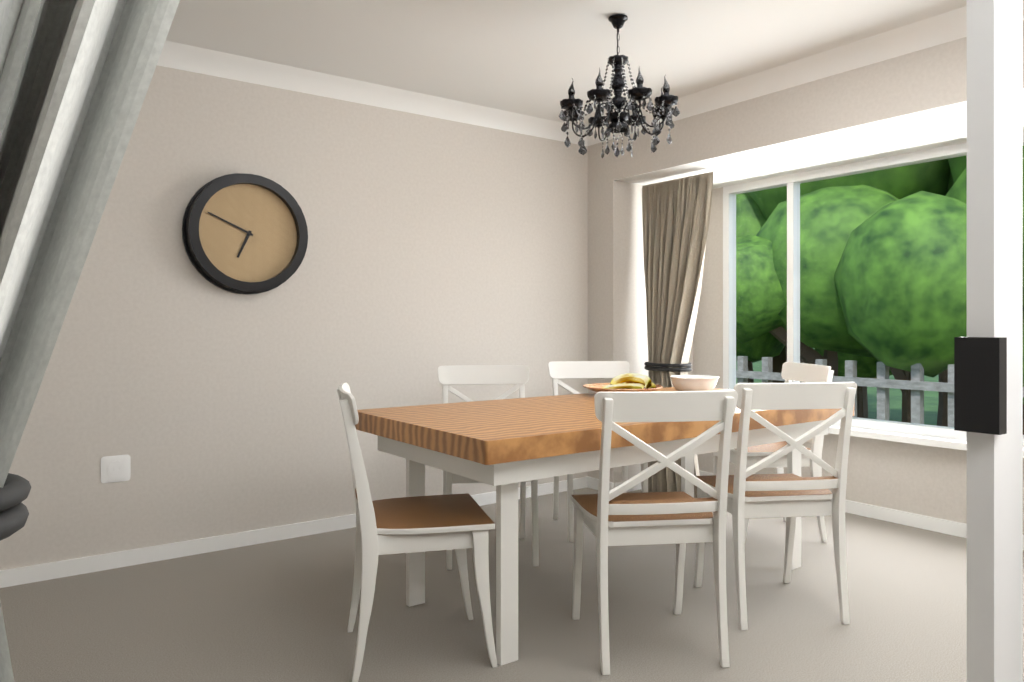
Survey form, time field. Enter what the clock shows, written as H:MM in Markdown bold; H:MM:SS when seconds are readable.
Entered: **6:49**
